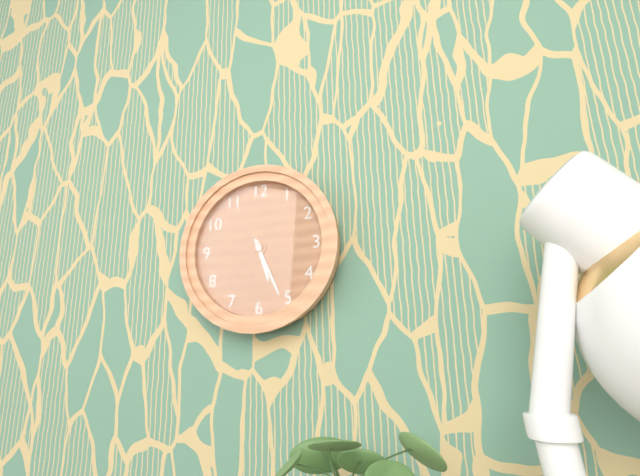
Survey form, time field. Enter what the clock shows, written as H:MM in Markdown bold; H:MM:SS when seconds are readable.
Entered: **5:26**
